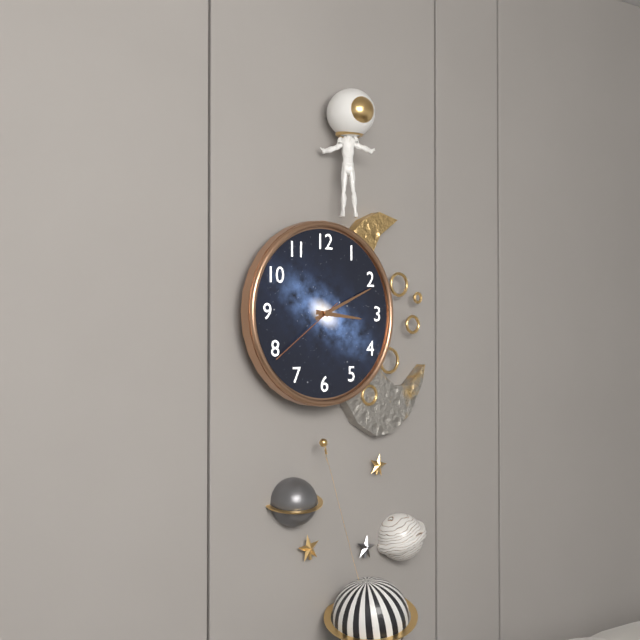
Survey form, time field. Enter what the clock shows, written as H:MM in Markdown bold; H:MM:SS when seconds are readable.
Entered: **3:11:39**
